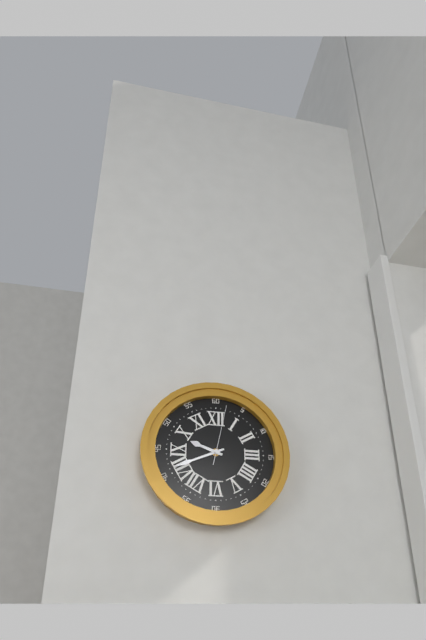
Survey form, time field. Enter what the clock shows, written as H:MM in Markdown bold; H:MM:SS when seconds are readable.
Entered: **9:41:02**
